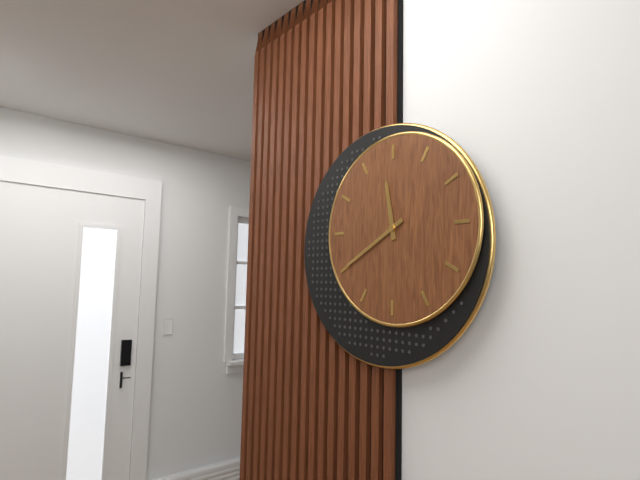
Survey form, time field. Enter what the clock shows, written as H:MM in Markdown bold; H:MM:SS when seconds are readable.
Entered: **11:40**
